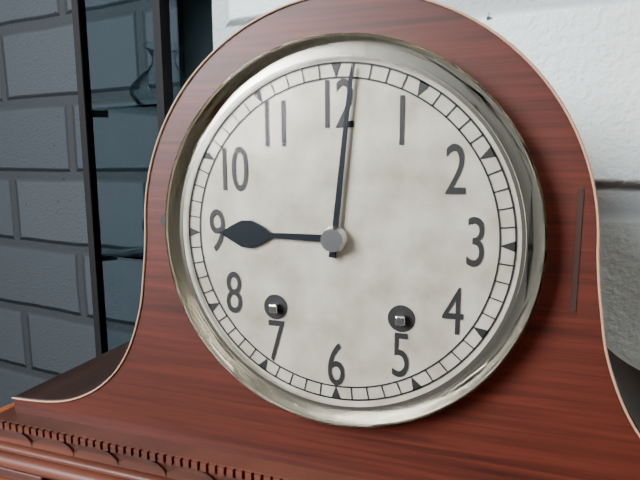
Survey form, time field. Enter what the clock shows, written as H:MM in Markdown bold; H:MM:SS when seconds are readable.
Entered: **9:01**
